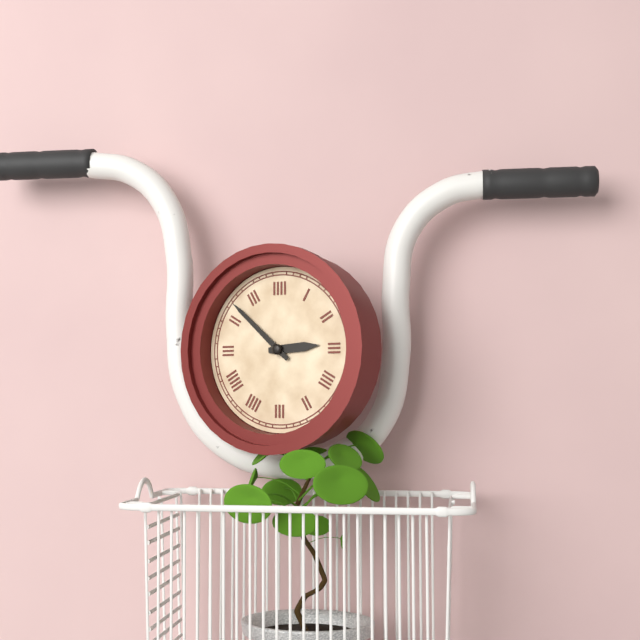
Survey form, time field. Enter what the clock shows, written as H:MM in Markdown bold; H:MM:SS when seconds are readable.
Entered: **2:52**
